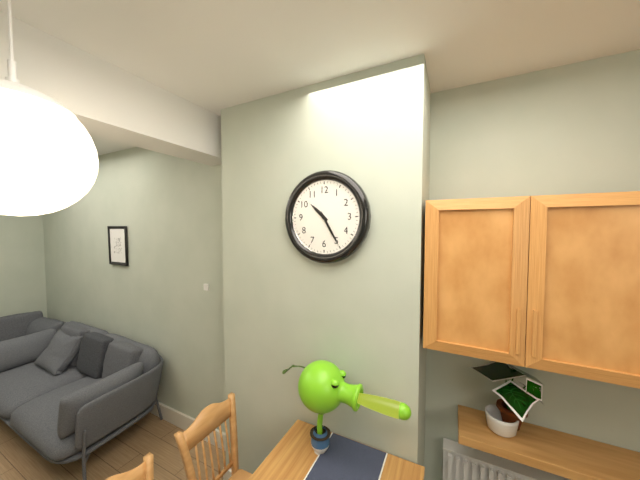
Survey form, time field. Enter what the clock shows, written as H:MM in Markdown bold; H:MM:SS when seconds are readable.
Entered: **10:25**
